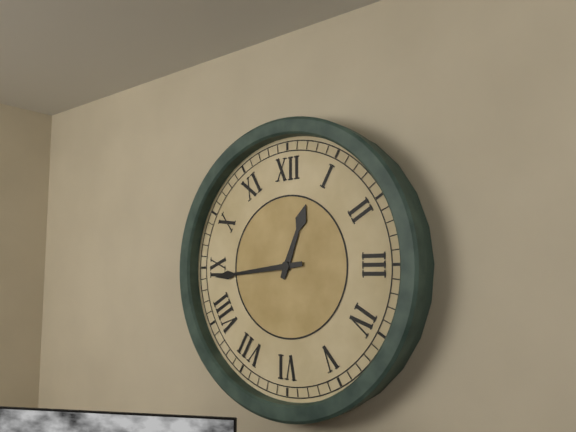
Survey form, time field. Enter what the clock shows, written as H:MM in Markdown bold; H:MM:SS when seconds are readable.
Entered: **12:44**
